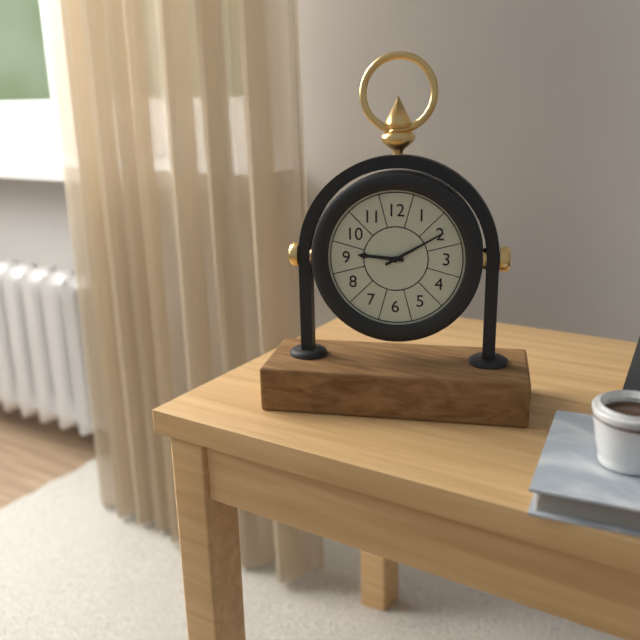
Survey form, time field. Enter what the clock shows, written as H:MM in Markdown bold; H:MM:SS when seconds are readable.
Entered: **9:10**
